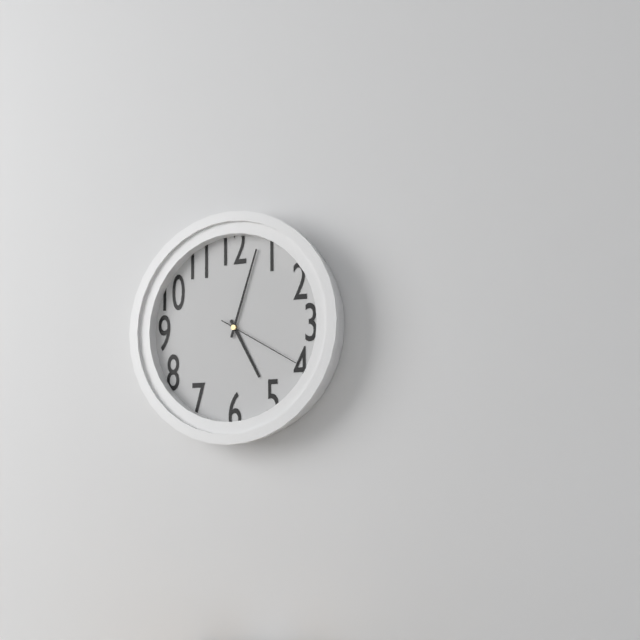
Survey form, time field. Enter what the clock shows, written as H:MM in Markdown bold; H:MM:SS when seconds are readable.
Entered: **5:03:20**
